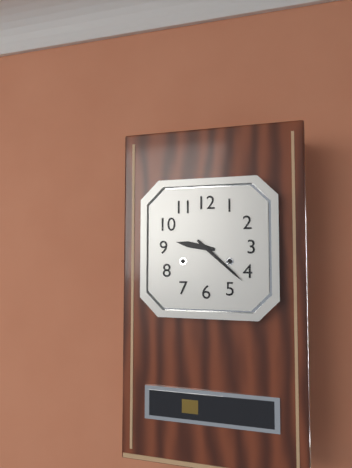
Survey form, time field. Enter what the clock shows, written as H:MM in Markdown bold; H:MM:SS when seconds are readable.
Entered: **9:22**
